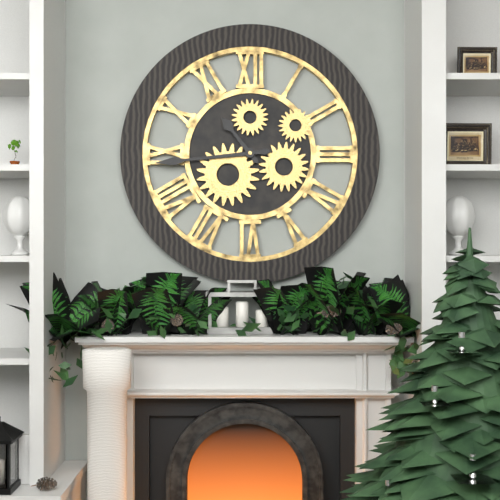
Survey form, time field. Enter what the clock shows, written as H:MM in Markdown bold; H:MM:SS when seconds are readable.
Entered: **10:44**
